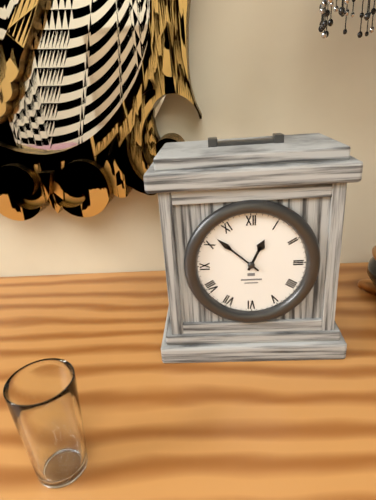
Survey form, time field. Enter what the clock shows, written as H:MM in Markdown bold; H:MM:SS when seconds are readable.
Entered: **12:52**
